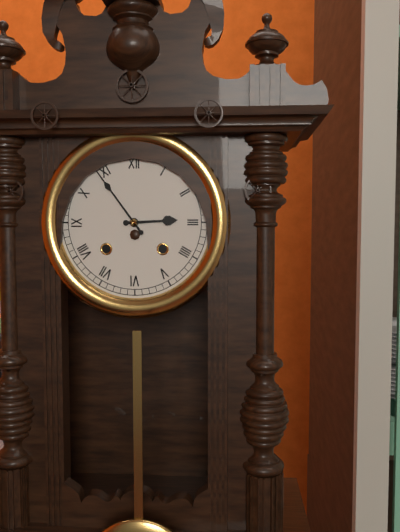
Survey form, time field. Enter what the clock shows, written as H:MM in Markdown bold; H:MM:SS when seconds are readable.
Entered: **2:54**
